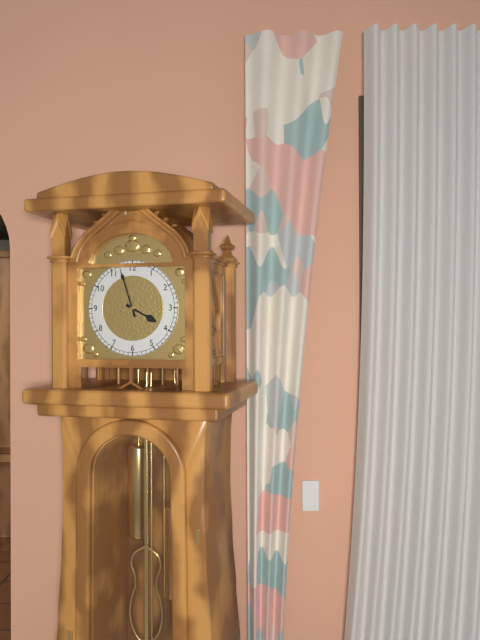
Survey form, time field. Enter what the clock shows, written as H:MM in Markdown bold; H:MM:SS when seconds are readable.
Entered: **3:57**
